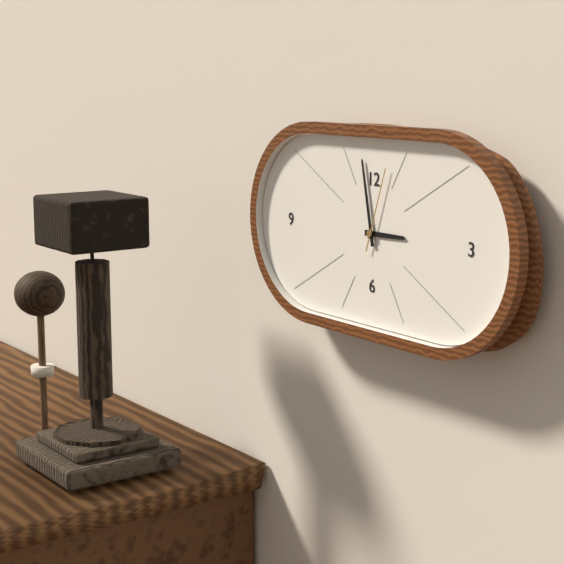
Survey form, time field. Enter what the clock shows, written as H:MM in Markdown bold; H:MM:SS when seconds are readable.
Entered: **2:58:03**
